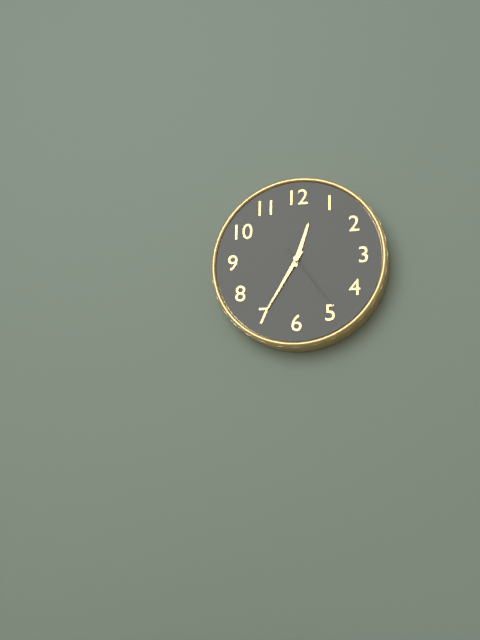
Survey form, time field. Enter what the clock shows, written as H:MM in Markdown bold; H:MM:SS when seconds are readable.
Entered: **12:35:24**
